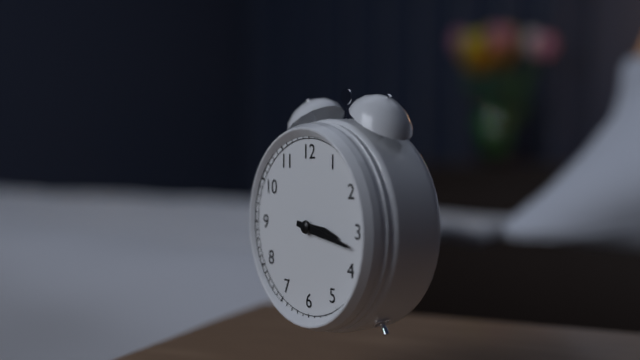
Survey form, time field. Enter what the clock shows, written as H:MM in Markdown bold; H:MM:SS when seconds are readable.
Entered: **3:17**
